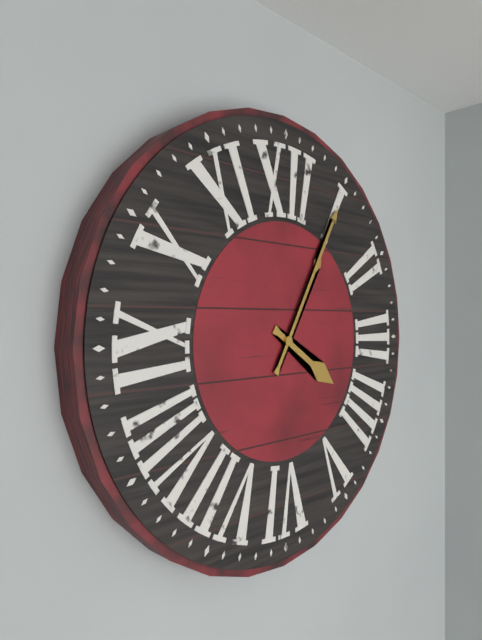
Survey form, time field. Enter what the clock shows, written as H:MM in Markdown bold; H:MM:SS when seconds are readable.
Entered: **4:05**
